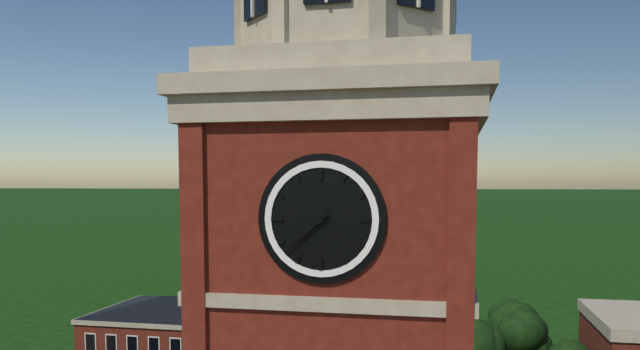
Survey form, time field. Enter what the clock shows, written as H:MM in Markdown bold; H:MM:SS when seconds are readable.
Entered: **7:38**
